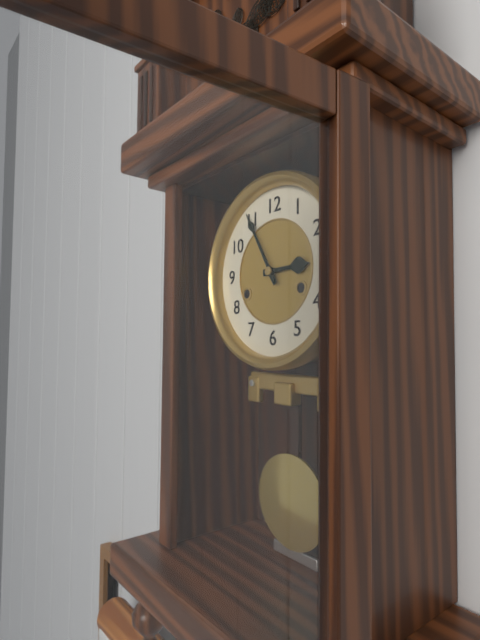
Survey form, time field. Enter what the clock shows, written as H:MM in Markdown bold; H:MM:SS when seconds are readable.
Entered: **2:55**
